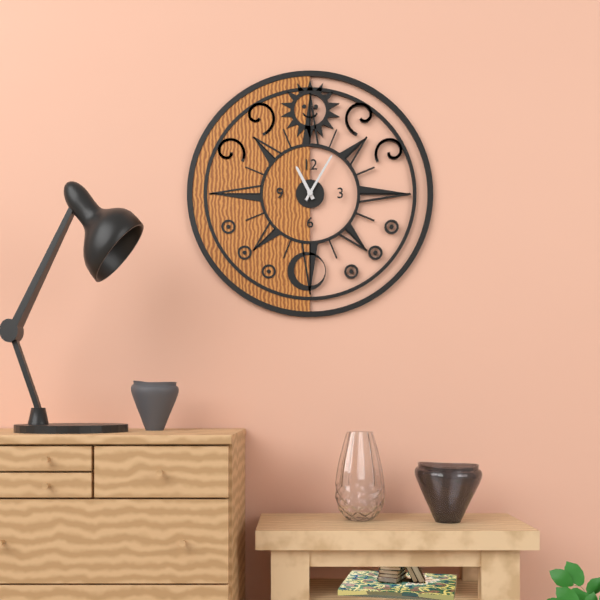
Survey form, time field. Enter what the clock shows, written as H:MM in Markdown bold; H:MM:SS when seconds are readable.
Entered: **11:05**
